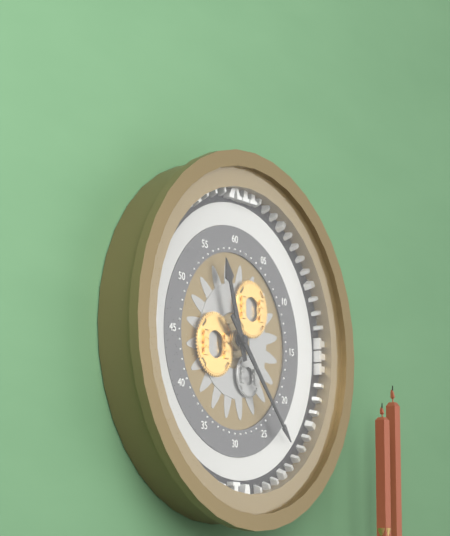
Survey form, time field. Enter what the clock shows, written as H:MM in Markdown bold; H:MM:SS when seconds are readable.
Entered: **11:23**
